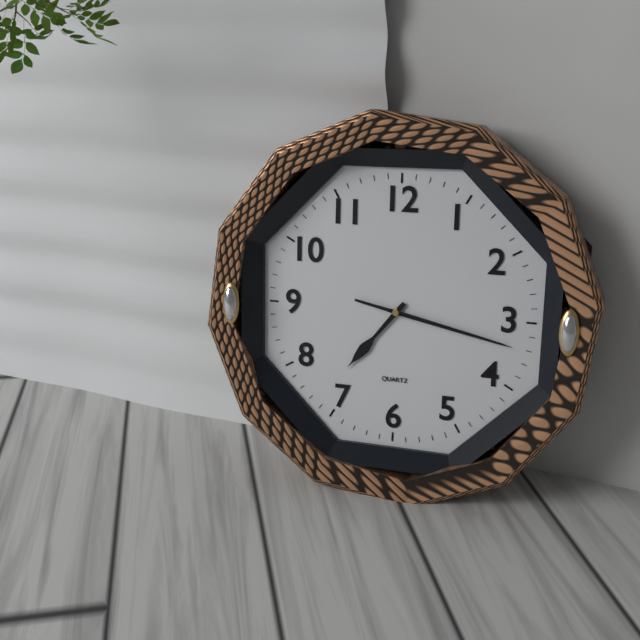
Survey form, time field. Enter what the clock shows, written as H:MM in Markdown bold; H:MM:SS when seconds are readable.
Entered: **7:17**
